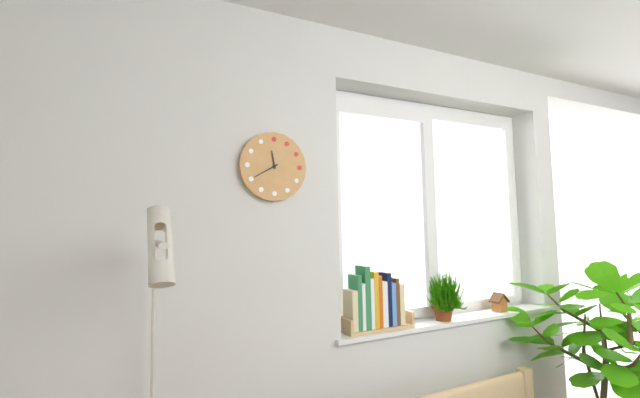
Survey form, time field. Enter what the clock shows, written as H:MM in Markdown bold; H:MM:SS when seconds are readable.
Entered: **11:40**
